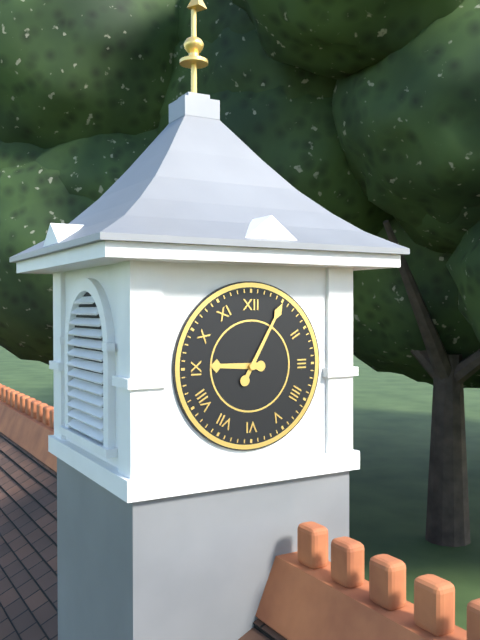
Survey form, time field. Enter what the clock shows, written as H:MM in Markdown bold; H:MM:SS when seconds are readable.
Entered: **9:05**
